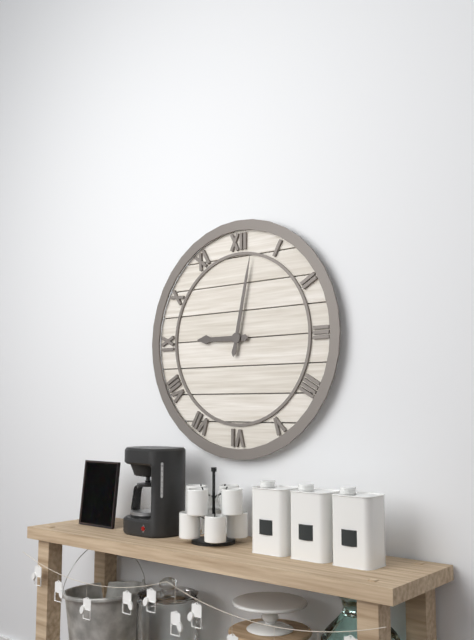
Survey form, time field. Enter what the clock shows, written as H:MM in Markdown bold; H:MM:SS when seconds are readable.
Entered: **9:02**
